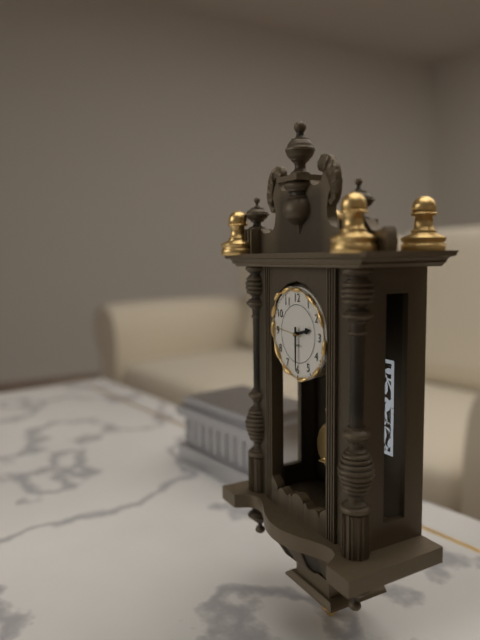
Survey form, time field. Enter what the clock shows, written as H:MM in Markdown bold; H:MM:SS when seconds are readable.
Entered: **2:30**
